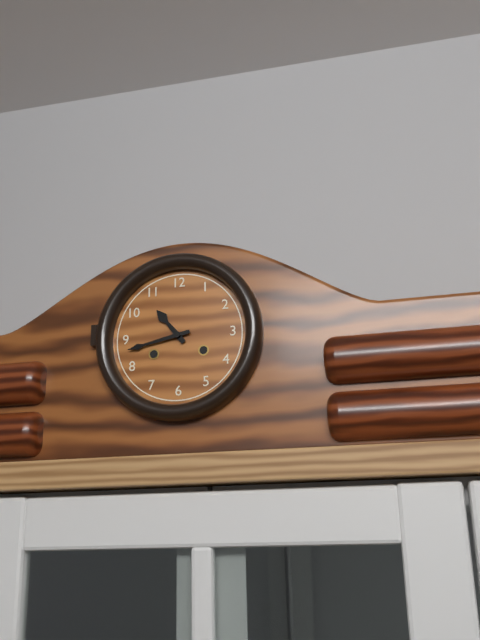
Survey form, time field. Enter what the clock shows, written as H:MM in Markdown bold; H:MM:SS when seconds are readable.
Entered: **10:43**
